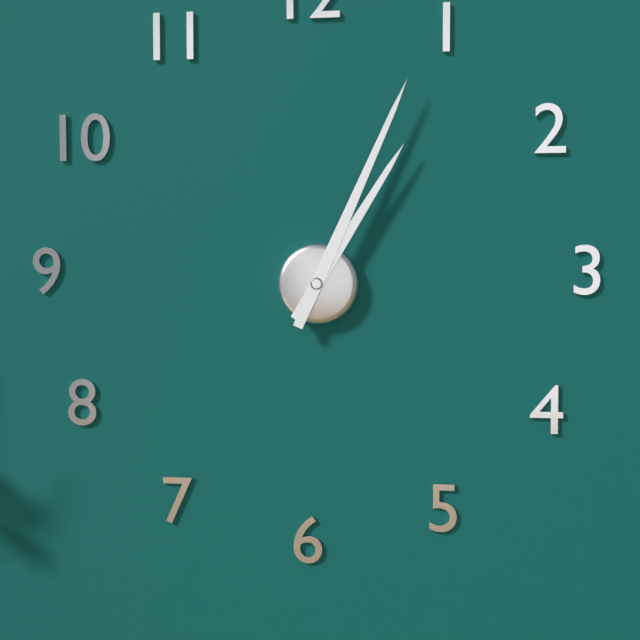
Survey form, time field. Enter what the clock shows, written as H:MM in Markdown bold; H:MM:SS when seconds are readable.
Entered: **1:04**
